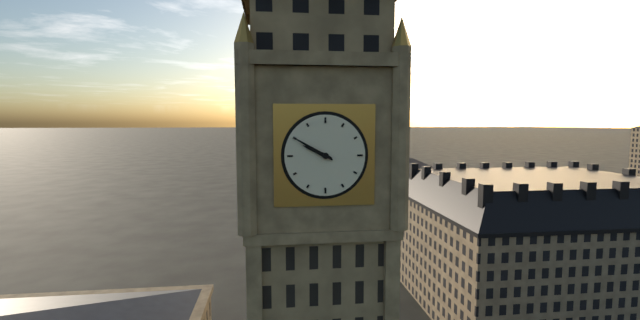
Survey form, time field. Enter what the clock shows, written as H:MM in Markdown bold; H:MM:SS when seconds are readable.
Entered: **9:50**
